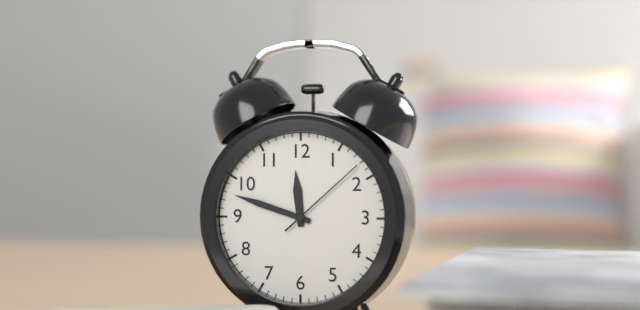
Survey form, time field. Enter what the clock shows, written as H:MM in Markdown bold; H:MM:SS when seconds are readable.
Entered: **11:48:08**
